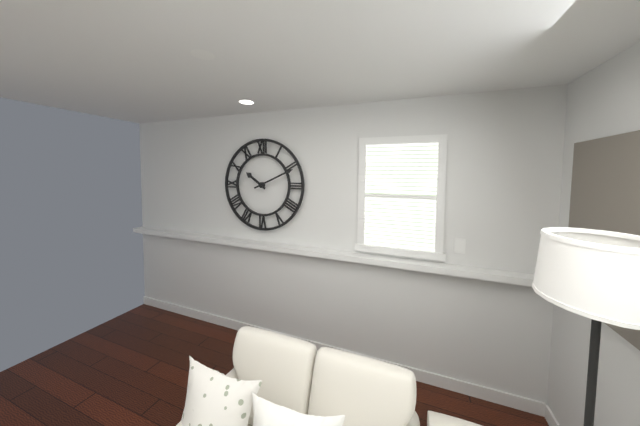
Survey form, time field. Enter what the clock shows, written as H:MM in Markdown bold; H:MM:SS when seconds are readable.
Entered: **10:11**
